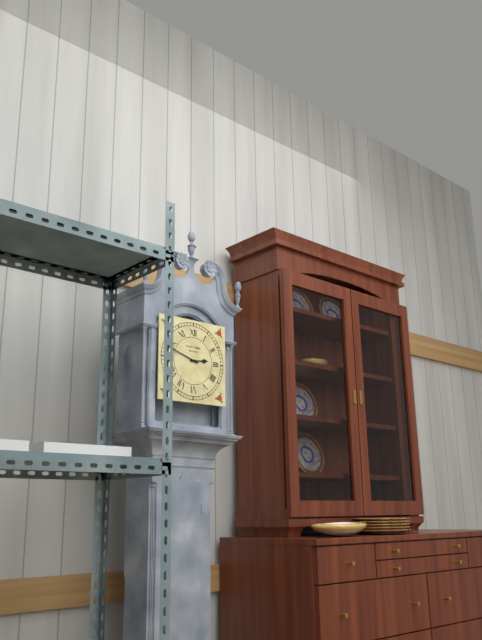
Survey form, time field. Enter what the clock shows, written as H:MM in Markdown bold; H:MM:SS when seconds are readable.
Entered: **2:48**
